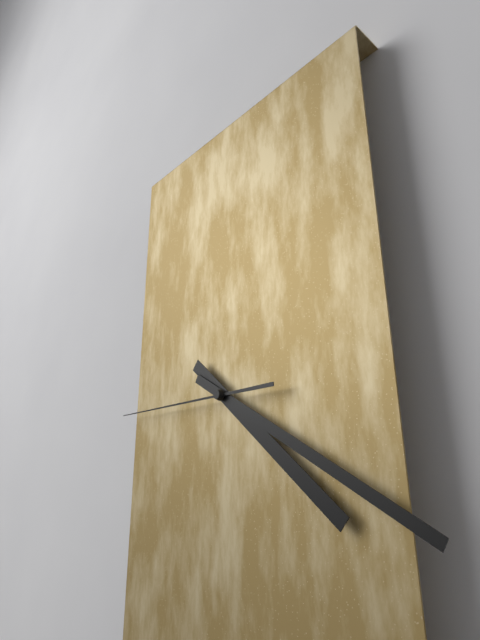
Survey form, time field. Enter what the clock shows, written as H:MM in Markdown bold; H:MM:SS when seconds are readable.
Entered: **4:20:45**
